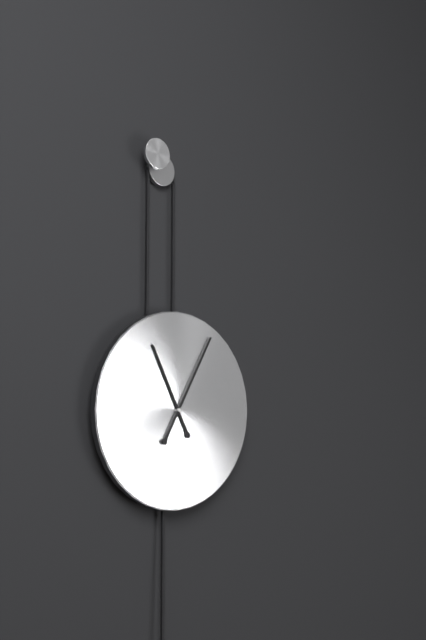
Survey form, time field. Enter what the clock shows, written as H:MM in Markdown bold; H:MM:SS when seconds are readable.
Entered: **11:05**
